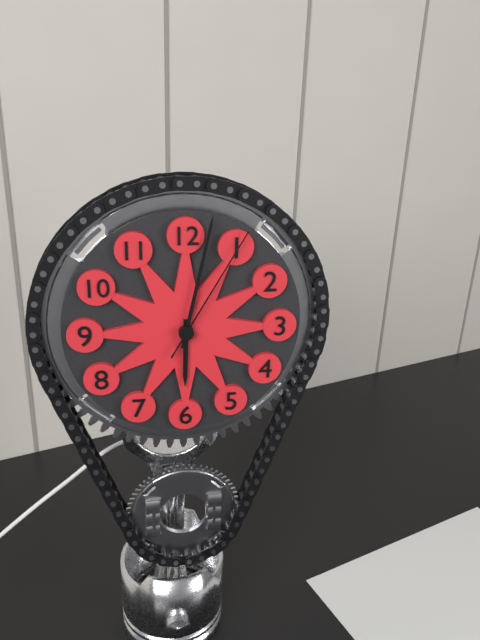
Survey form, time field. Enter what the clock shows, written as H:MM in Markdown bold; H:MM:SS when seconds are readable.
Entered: **6:02:05**
